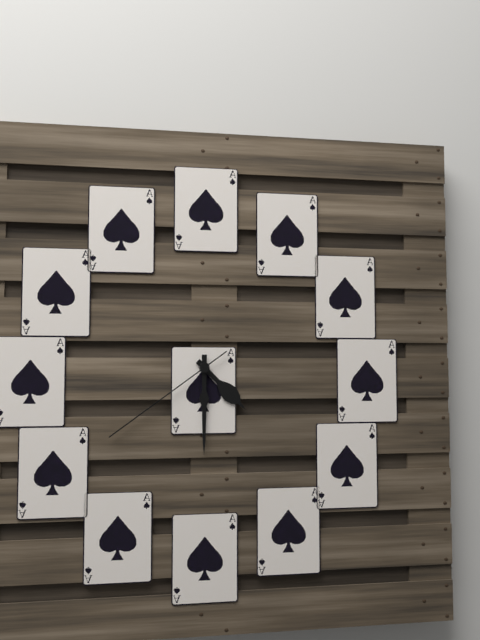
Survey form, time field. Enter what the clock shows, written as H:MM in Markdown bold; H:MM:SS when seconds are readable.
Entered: **4:30:39**
